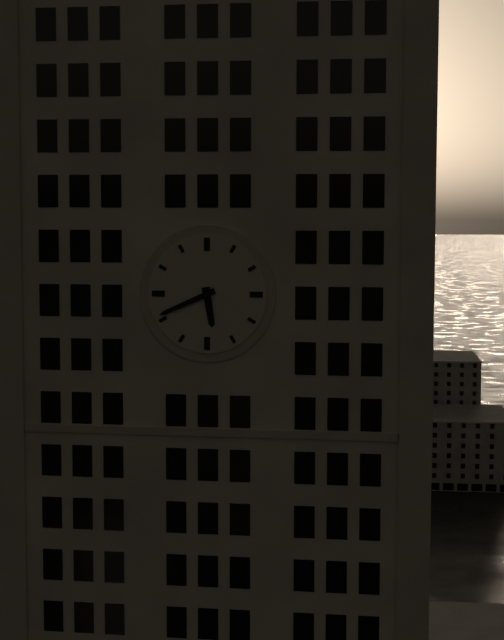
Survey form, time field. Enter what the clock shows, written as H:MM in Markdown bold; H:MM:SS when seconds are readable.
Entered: **5:41**
